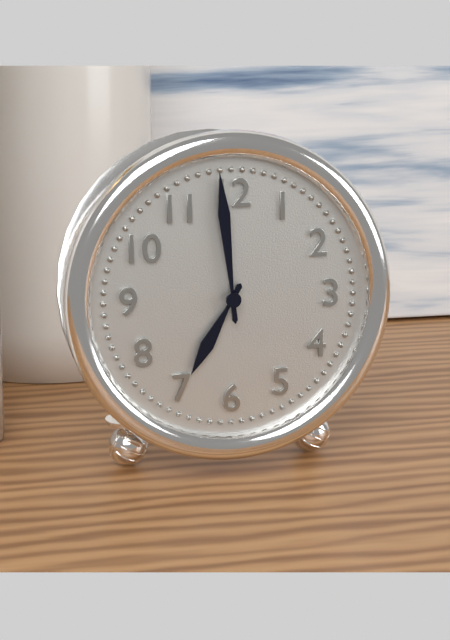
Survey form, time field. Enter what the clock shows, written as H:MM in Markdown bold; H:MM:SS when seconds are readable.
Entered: **6:59**
